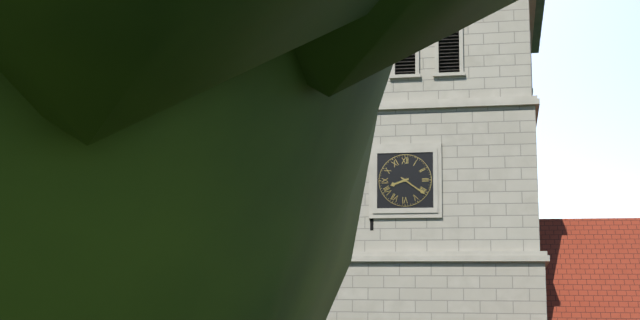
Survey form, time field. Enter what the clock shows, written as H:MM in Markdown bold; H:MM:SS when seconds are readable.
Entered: **8:21**
